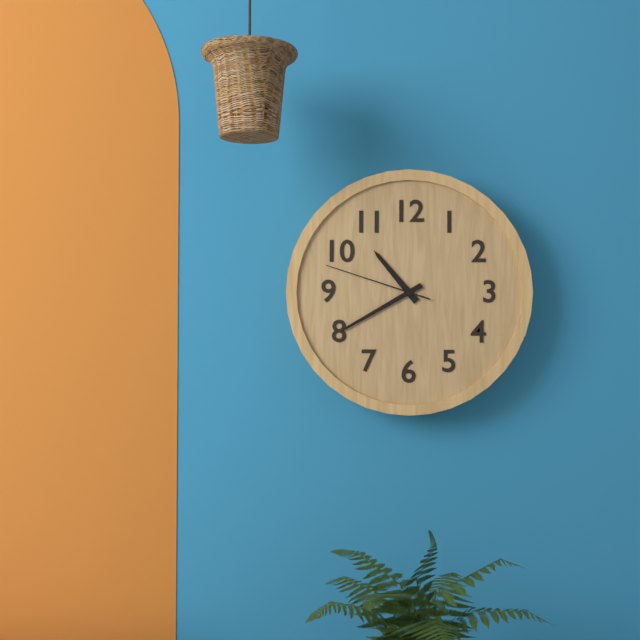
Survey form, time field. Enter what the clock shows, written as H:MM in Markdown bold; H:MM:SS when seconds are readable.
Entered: **10:40:48**
